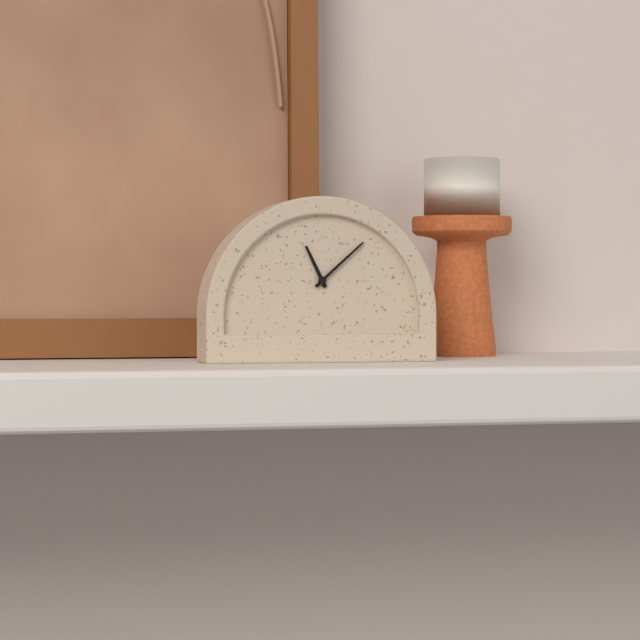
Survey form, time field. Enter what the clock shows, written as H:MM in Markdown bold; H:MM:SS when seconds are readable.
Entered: **11:08**
